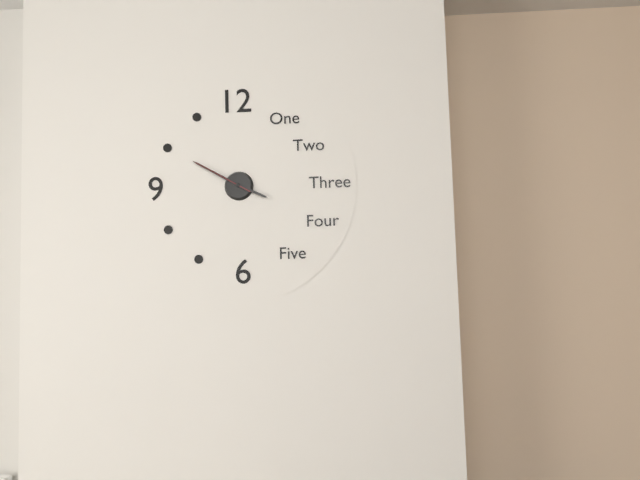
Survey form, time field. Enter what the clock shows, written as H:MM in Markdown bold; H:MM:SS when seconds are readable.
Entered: **3:50:50**
